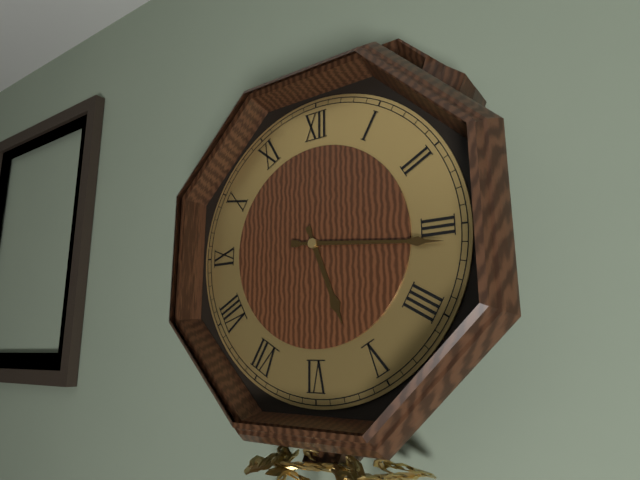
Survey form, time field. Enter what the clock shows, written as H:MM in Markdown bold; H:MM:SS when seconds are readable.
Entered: **5:16**
